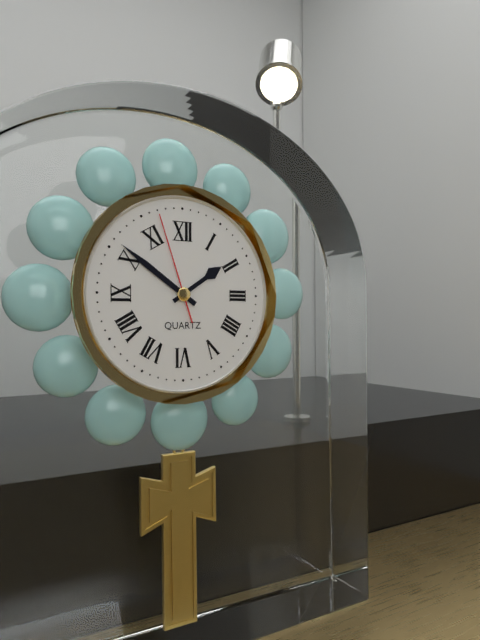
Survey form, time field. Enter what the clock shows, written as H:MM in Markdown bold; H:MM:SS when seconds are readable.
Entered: **1:51:57**
